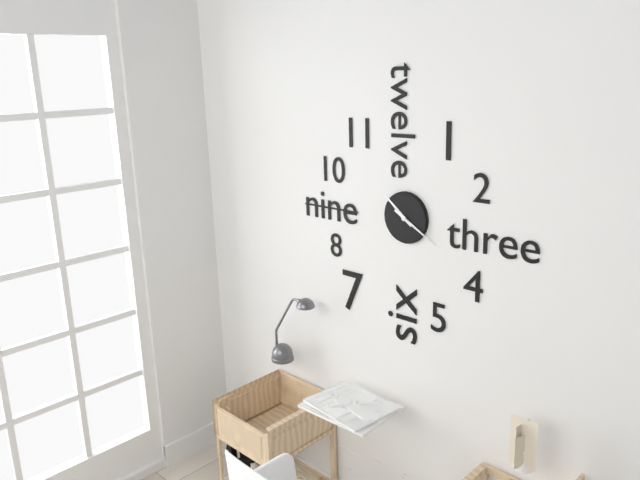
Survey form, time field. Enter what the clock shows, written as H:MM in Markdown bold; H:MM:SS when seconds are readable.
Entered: **10:20**
